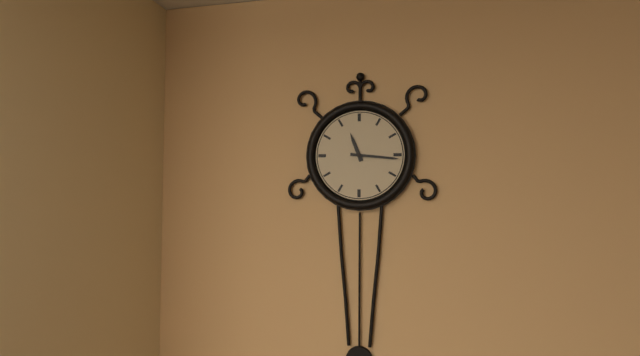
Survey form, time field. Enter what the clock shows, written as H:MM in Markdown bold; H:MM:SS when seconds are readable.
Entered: **11:16**
